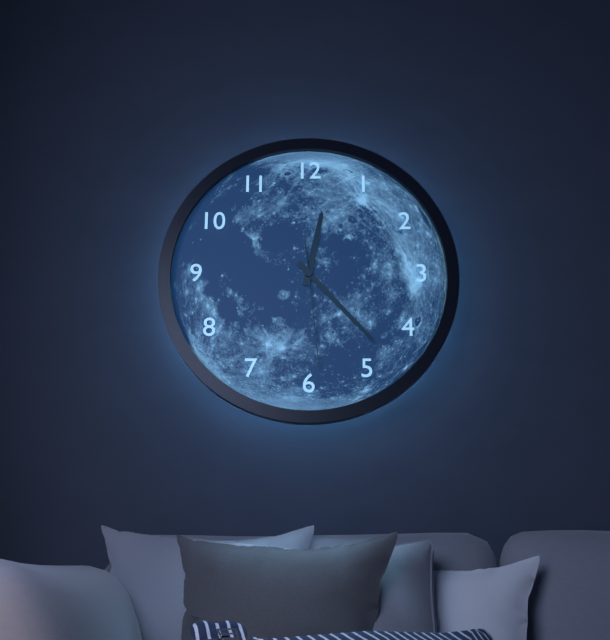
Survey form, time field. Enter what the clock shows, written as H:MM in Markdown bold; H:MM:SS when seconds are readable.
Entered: **12:23:29**
